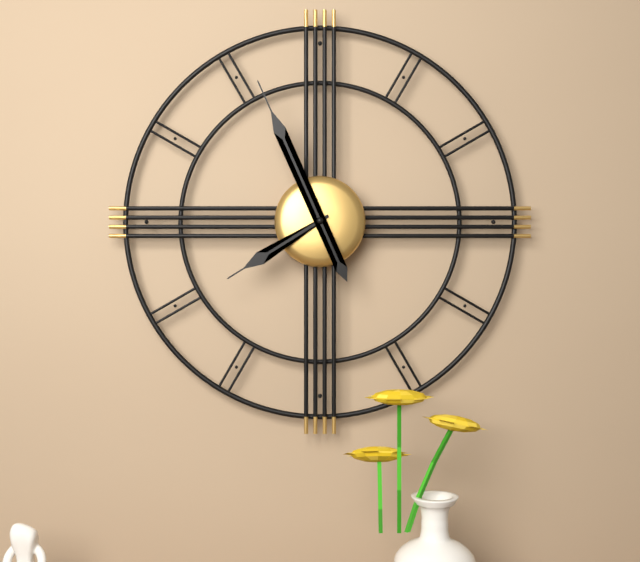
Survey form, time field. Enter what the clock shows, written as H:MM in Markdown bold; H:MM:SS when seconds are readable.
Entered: **7:56**
